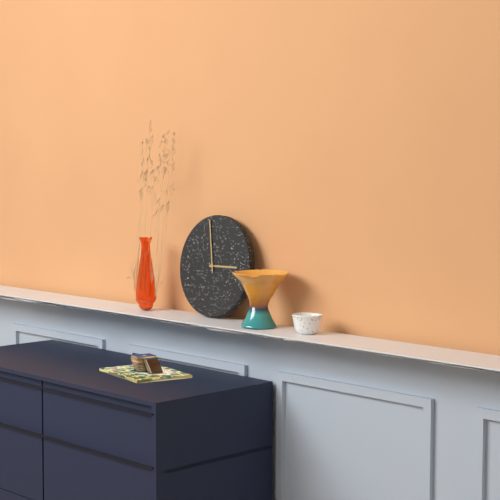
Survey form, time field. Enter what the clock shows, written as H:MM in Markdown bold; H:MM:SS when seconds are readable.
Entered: **2:58**
